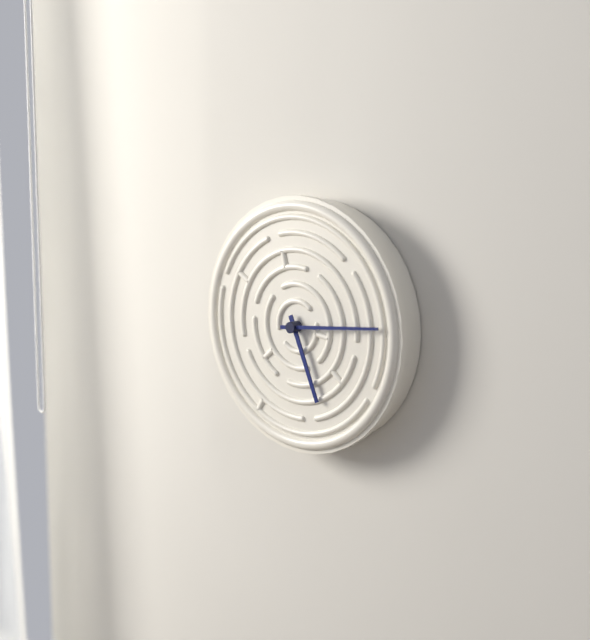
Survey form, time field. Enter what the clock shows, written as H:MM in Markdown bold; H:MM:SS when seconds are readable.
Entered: **5:14**
